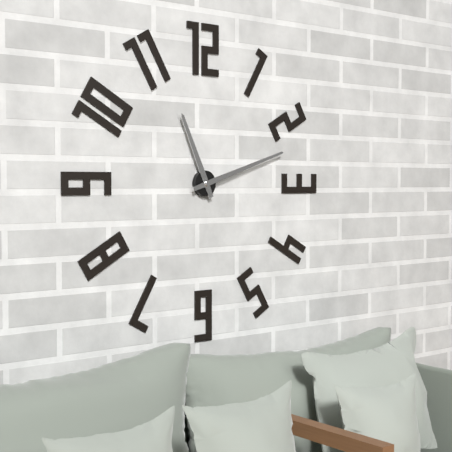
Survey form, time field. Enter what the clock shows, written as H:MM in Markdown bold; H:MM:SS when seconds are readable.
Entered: **11:12**
